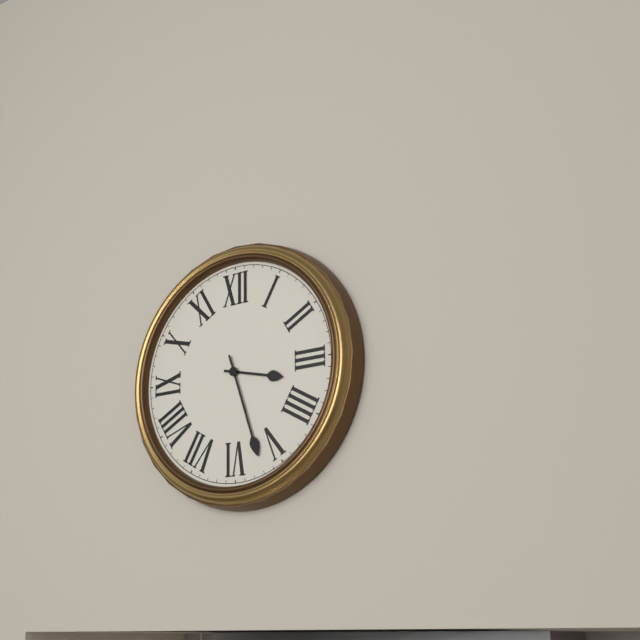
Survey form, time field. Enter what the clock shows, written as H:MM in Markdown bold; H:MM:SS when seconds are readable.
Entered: **3:27**
